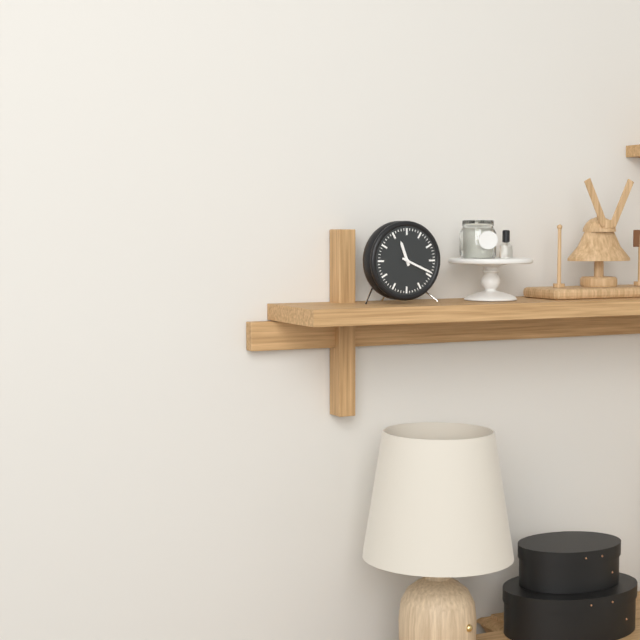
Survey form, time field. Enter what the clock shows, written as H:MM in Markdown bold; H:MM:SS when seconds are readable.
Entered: **11:19**
